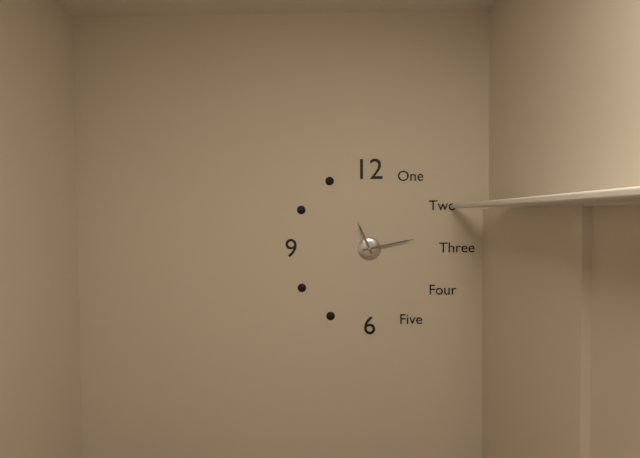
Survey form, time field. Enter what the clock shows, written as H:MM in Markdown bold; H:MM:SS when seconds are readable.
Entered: **11:13**
